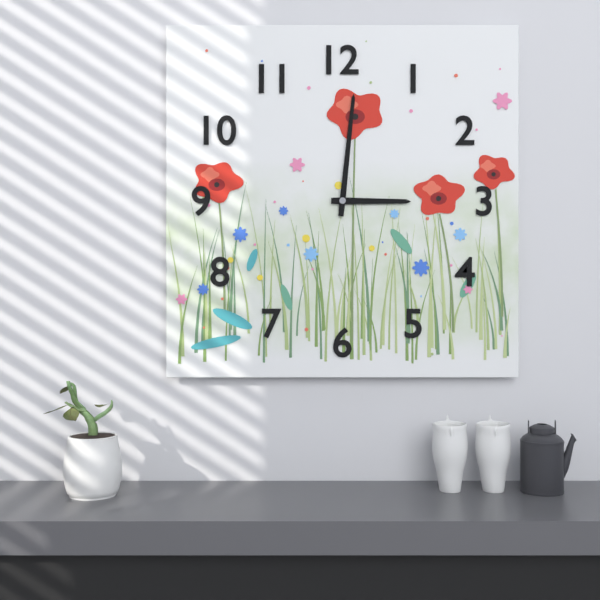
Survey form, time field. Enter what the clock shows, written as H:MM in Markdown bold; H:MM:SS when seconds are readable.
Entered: **3:01**
